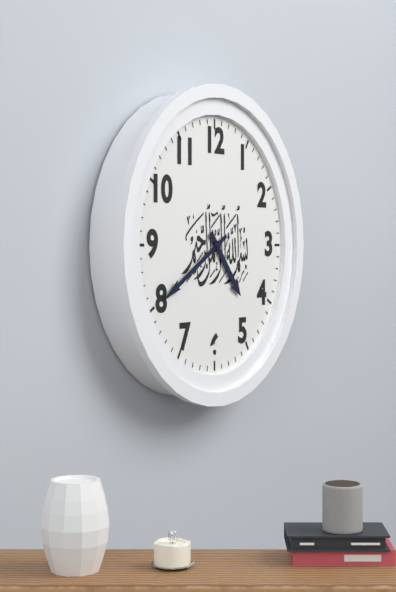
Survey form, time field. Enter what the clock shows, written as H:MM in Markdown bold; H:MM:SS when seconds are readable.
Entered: **4:40**
